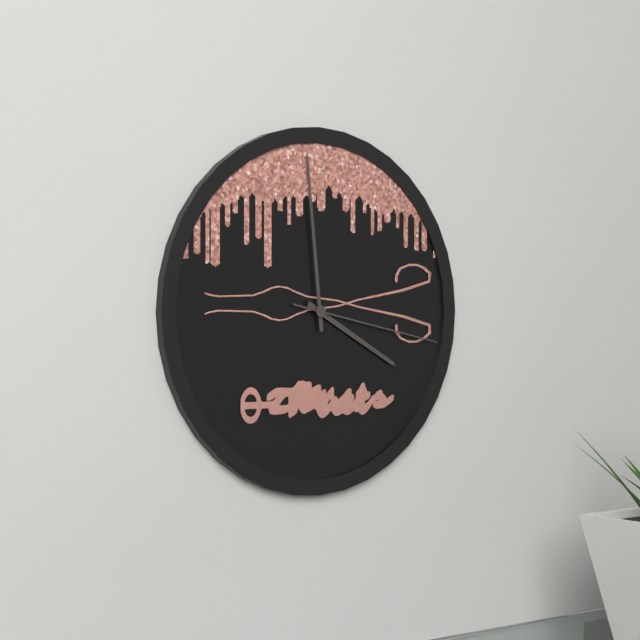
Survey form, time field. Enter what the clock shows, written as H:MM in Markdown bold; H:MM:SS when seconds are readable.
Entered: **3:59:17**
